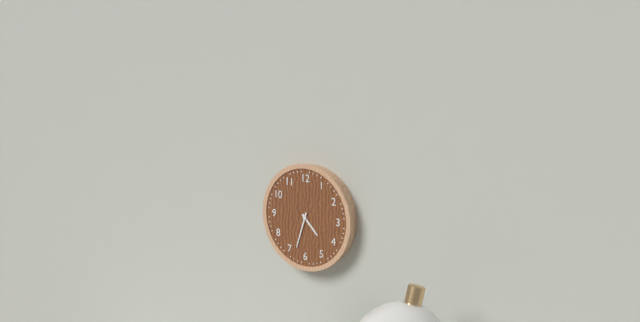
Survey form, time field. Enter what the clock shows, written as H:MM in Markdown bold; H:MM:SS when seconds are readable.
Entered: **4:33**
